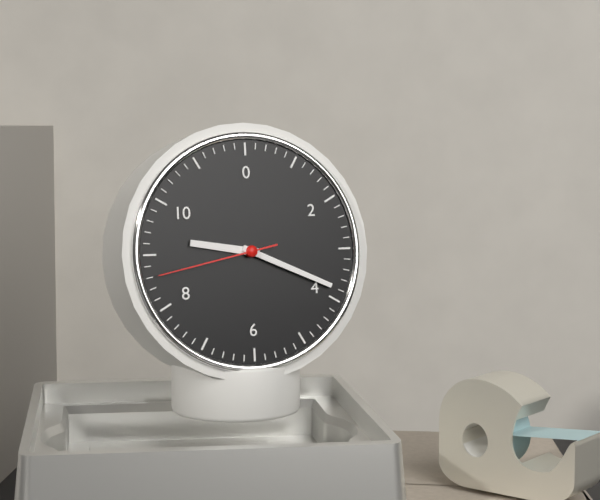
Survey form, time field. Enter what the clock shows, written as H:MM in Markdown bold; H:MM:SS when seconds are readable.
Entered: **9:19:43**
